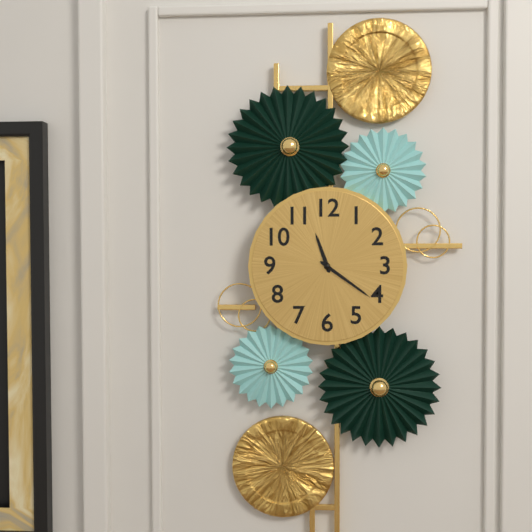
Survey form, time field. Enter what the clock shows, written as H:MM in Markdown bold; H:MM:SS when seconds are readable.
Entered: **11:21**
